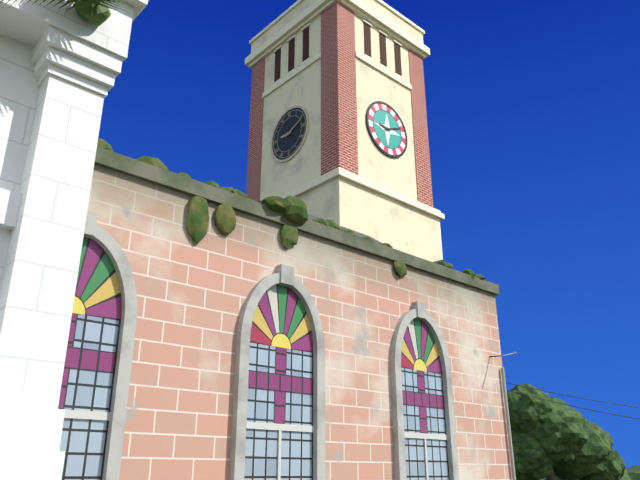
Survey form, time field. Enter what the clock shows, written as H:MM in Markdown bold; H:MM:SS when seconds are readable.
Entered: **9:11**
